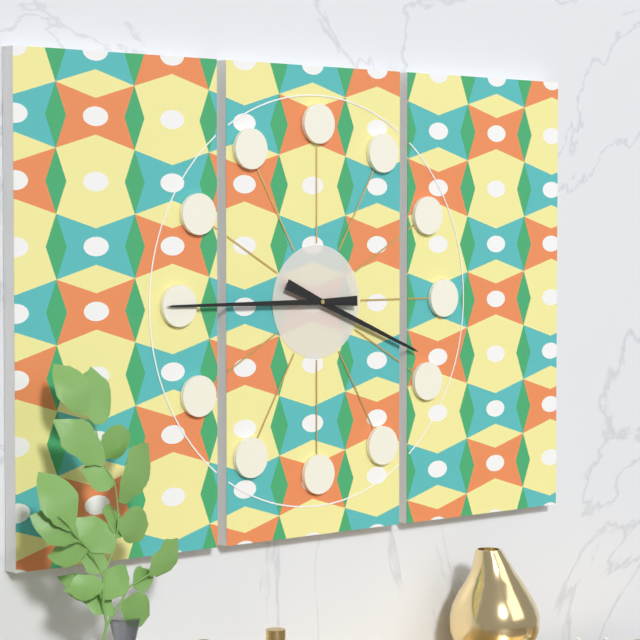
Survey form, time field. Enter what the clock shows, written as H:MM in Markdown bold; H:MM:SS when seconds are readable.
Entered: **3:45**
